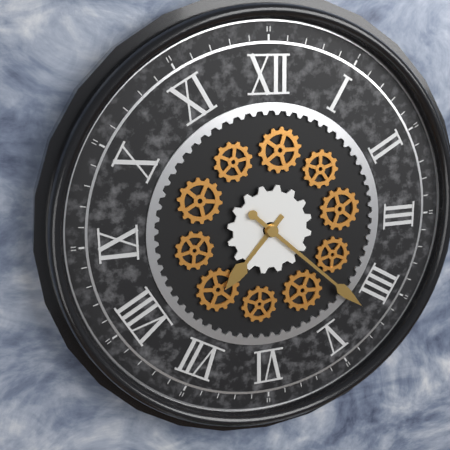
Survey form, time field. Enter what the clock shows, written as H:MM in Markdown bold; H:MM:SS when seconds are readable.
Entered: **7:22**
